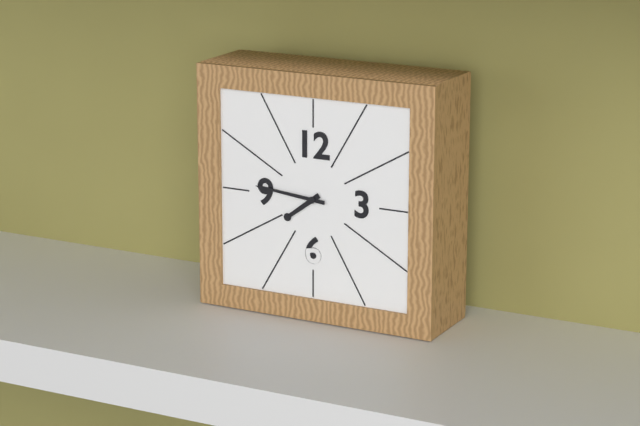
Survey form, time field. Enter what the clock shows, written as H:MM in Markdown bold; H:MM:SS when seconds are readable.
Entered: **7:46**
